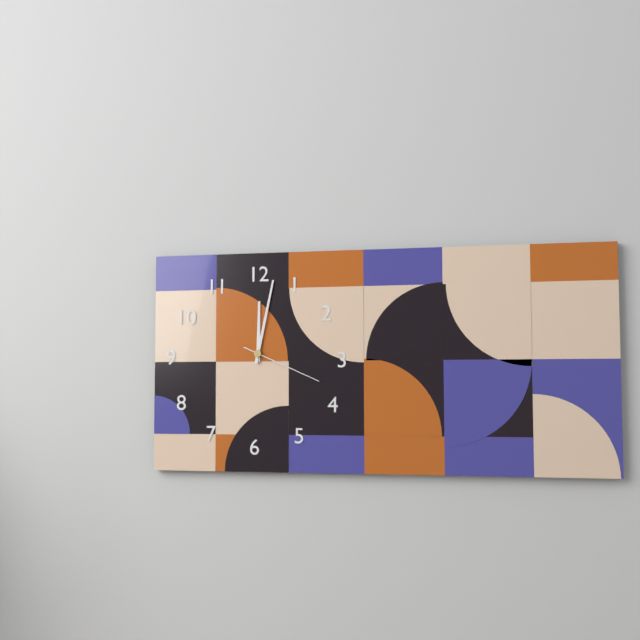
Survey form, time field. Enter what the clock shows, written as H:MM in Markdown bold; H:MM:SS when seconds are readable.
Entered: **12:02:19**
